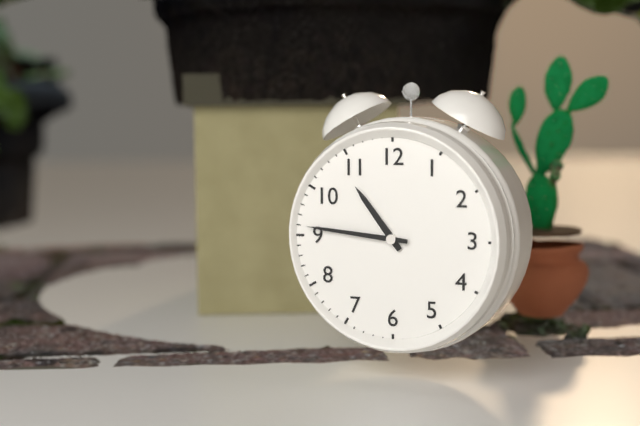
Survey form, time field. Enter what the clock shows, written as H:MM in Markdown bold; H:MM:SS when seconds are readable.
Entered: **10:46**
